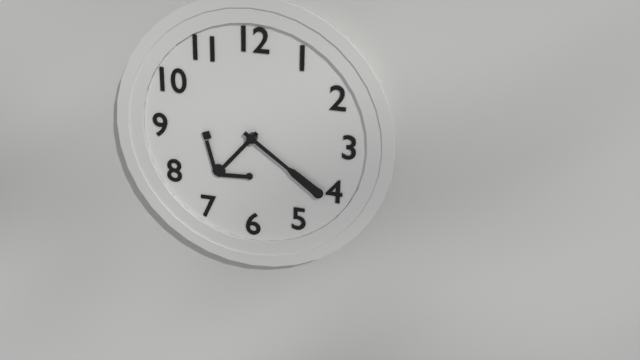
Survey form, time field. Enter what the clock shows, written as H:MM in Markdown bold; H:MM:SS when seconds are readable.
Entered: **7:21**
